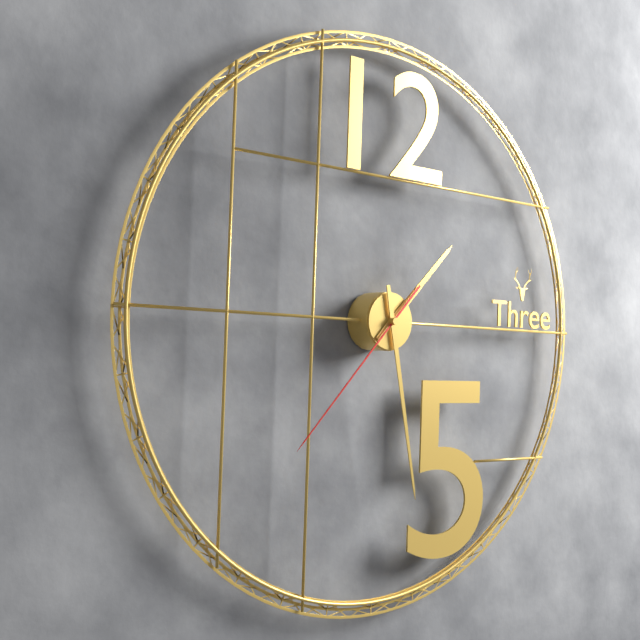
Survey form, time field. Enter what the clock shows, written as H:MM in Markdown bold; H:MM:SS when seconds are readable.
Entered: **1:28:37**
